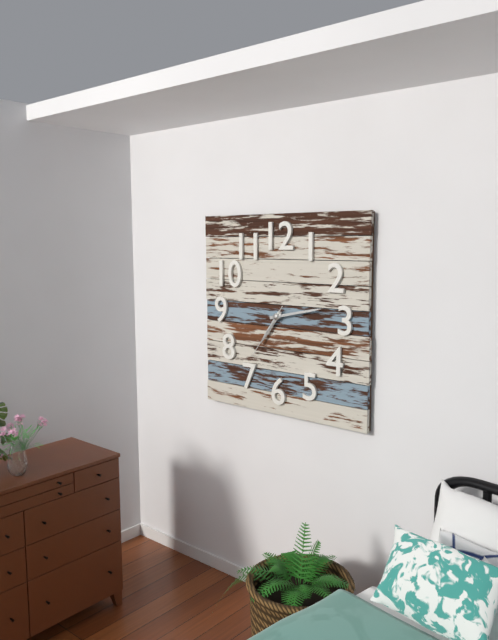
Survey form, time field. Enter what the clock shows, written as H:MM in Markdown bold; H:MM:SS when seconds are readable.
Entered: **7:13:36**
